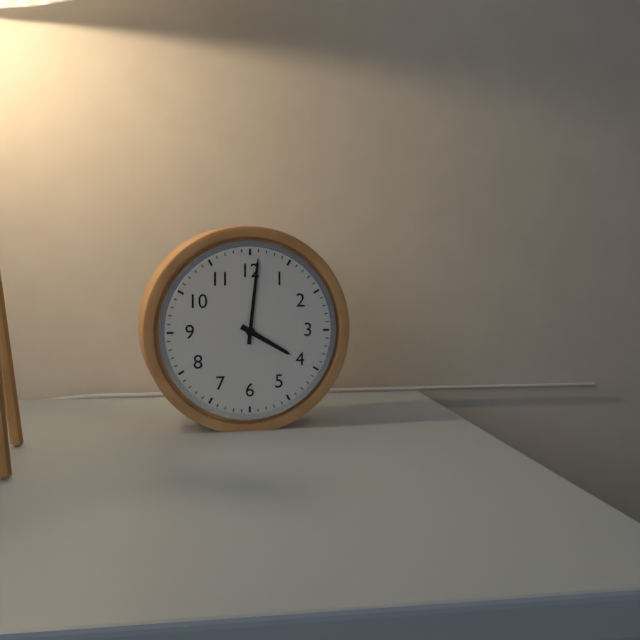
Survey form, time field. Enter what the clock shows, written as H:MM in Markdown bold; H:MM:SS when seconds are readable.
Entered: **4:01**
